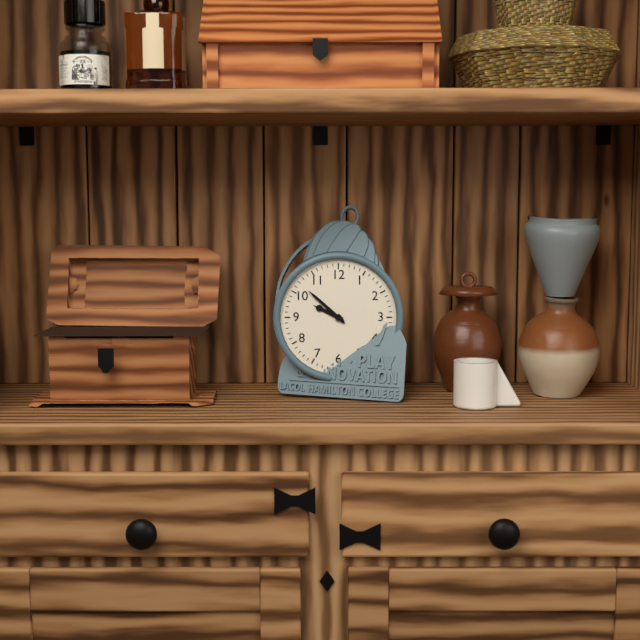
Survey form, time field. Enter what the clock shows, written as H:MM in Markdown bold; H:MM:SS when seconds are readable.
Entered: **9:52**
